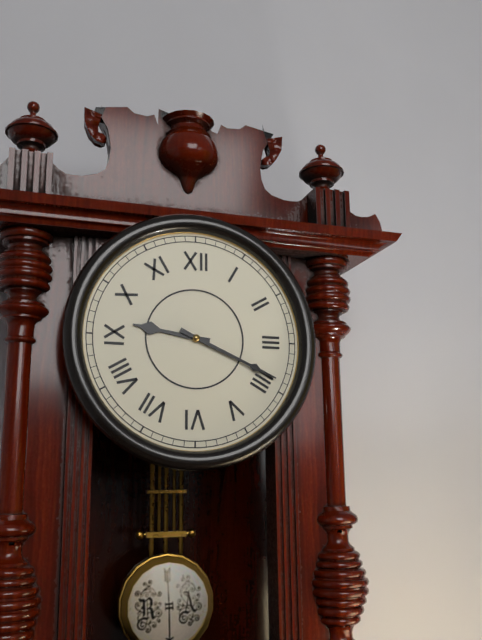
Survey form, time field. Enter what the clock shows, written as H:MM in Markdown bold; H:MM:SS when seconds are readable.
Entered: **9:19**
